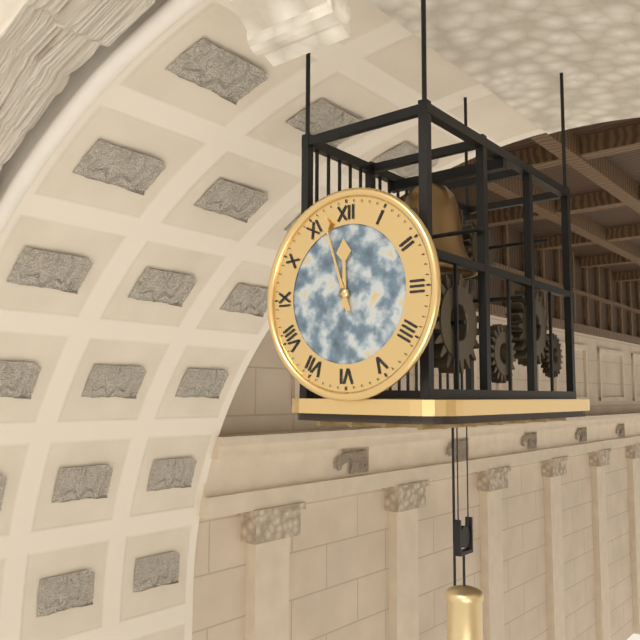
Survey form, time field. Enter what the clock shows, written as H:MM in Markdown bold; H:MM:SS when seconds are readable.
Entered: **11:57**
